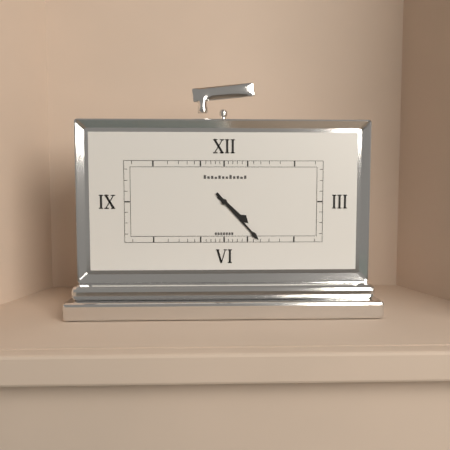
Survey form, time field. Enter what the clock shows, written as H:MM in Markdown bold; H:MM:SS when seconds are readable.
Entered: **4:23**
